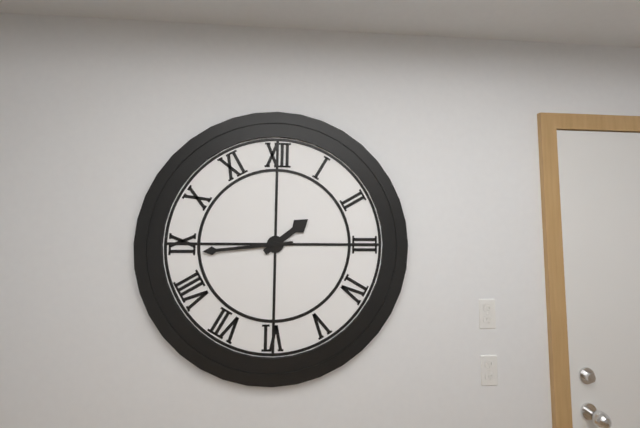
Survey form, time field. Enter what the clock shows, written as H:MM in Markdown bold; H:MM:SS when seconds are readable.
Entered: **1:44**
